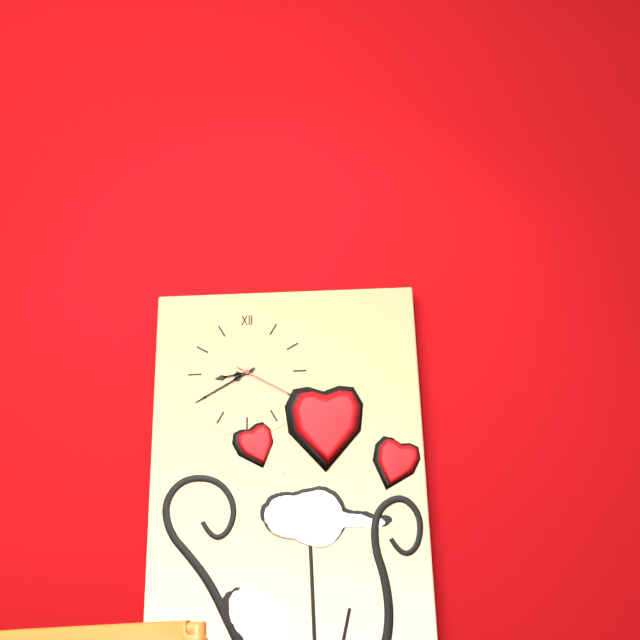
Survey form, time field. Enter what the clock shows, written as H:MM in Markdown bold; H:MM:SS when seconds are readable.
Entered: **8:40:20**
